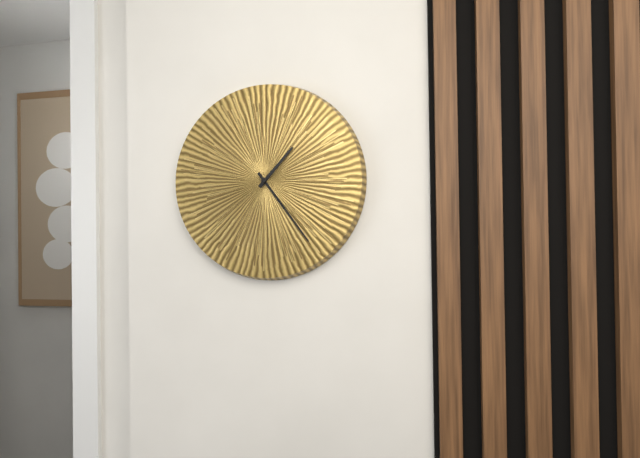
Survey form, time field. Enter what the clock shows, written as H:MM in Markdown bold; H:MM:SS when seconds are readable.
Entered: **1:24**
